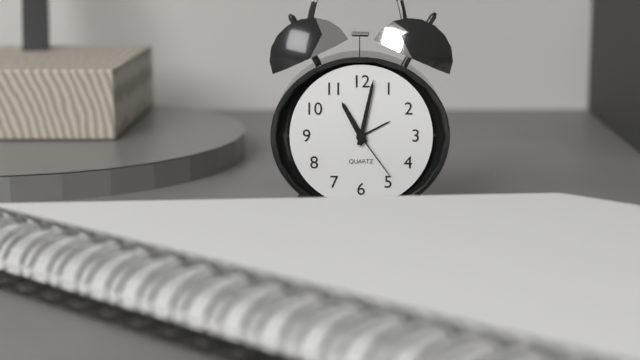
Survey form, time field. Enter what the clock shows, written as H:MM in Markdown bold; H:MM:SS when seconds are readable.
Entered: **11:02:24**
